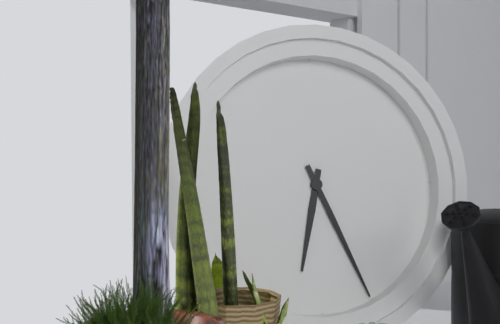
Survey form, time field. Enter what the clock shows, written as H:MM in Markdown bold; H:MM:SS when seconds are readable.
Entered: **6:26**
